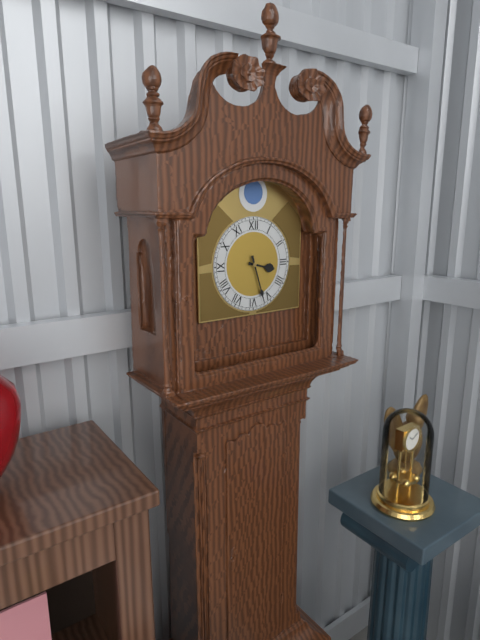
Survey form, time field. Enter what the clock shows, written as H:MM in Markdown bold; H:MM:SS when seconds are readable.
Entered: **3:27**
